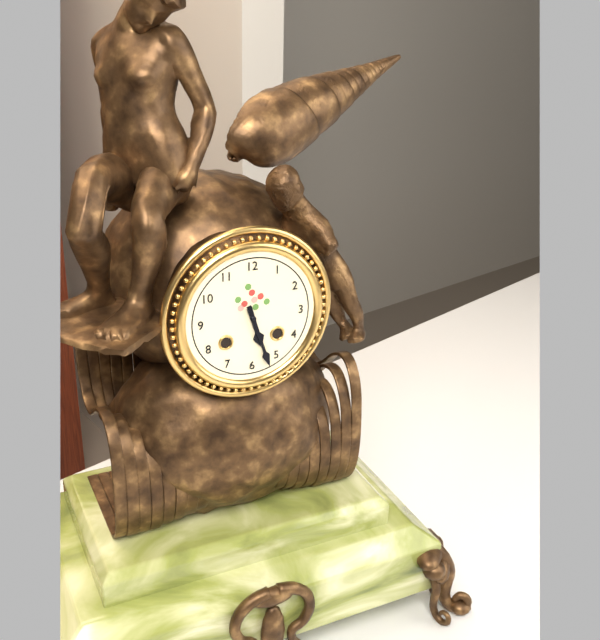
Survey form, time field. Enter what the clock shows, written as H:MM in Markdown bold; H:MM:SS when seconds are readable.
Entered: **5:27**
